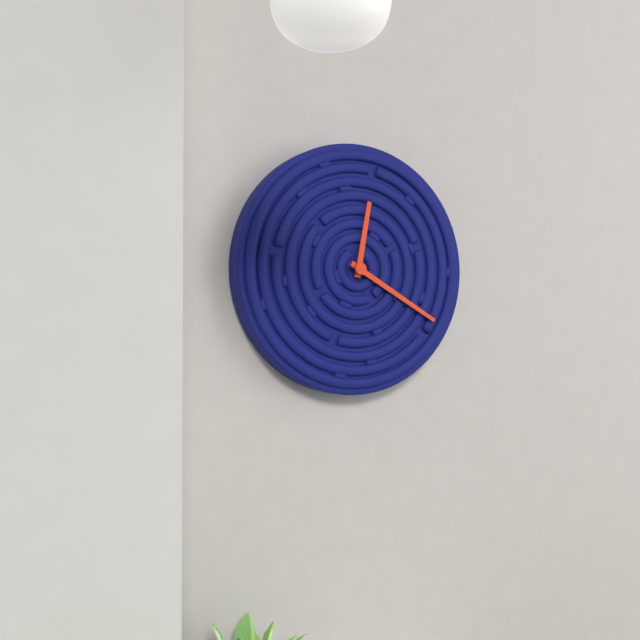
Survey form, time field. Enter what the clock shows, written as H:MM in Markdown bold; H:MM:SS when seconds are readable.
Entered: **12:20**
